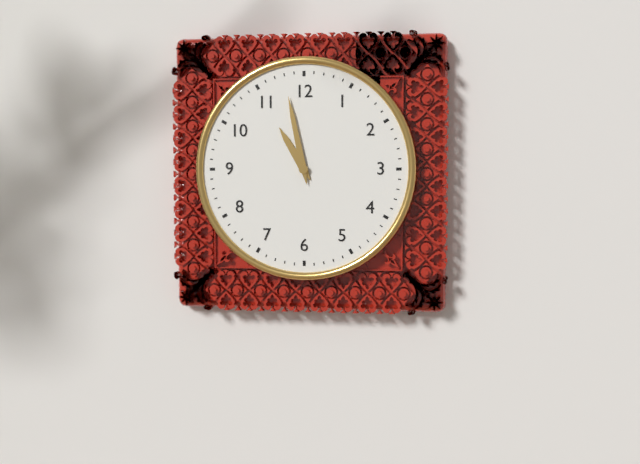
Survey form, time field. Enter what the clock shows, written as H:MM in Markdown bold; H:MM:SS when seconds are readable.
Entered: **10:58**
